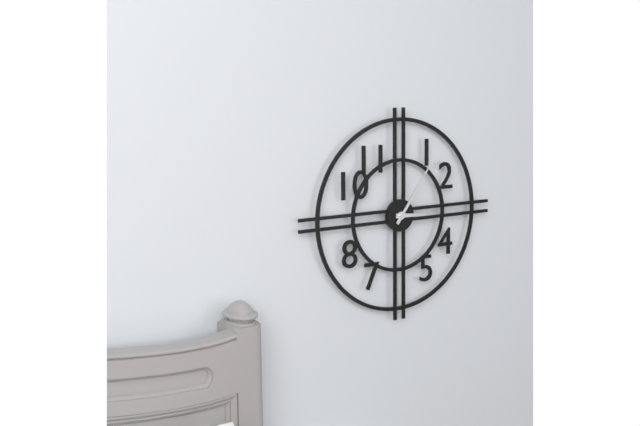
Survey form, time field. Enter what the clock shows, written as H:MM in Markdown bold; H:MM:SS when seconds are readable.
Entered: **3:06**
